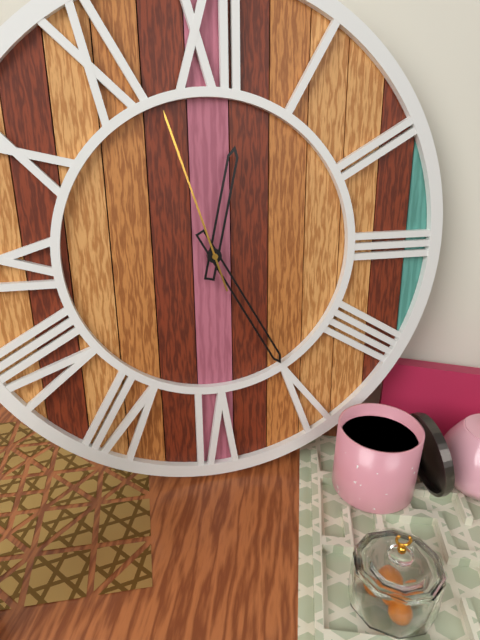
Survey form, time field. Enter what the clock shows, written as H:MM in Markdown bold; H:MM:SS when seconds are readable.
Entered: **12:25:57**
